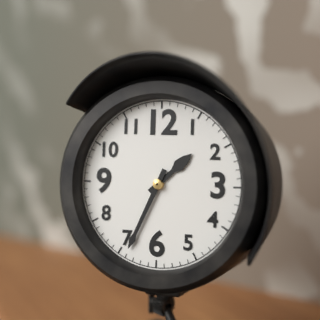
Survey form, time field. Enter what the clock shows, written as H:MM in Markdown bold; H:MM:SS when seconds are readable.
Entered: **1:34**
